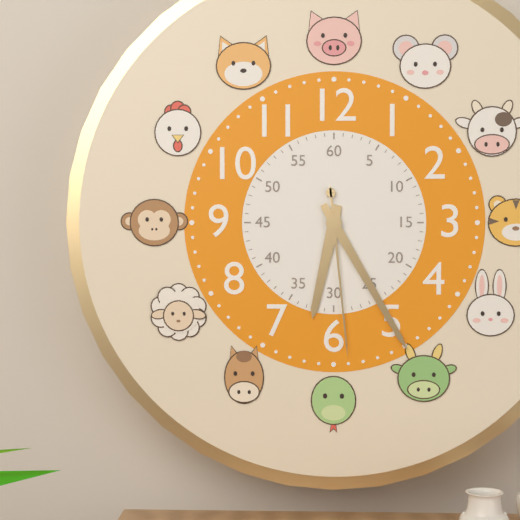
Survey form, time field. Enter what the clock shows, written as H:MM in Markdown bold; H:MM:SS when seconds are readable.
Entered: **6:25:29**
